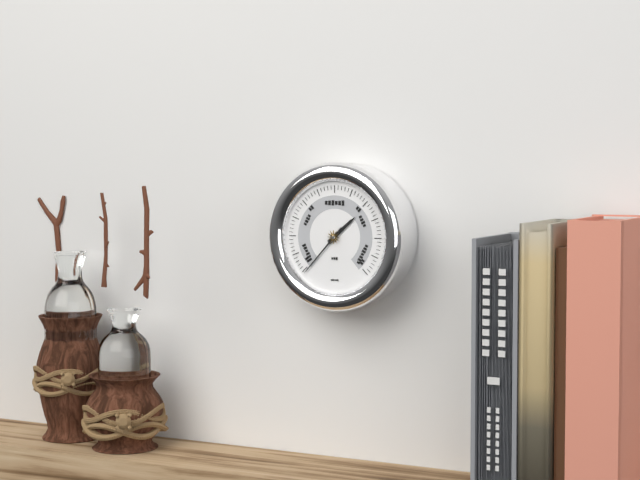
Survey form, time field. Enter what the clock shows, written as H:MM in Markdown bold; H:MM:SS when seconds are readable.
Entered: **1:37**
